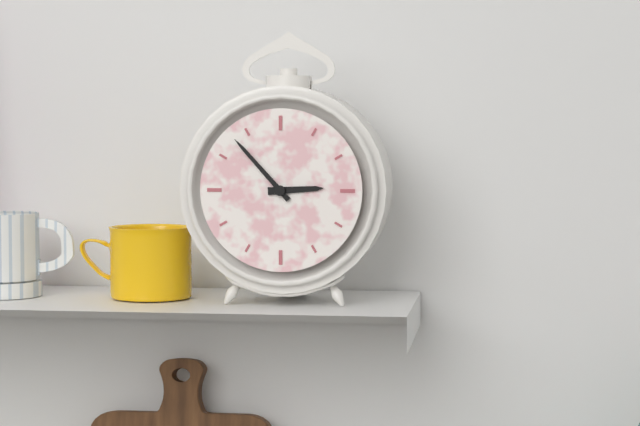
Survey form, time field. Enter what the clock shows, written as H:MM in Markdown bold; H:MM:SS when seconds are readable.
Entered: **2:53**
